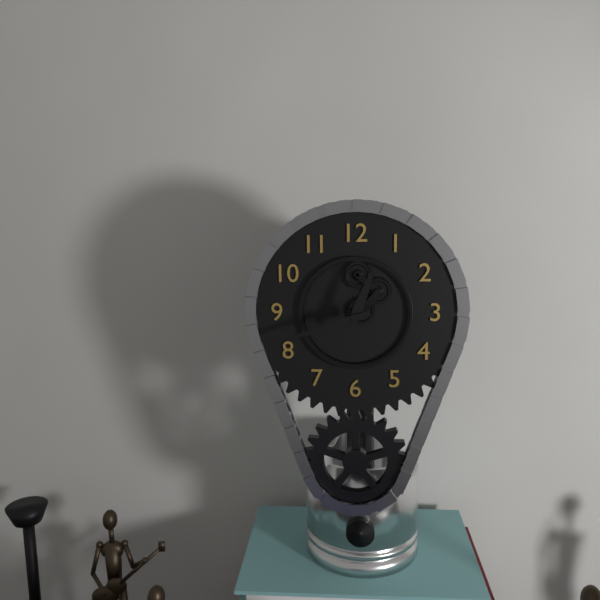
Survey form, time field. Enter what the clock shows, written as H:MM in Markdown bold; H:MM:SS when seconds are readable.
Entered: **12:42**
